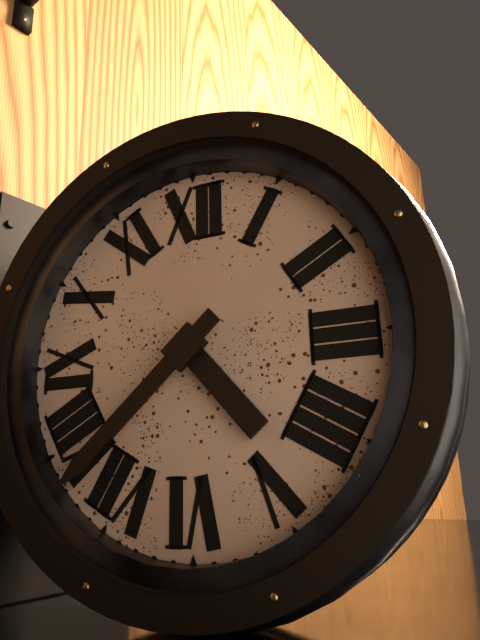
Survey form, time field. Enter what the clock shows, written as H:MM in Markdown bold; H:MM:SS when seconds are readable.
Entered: **4:38**
